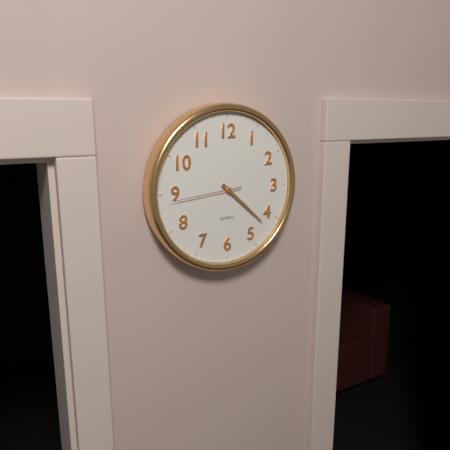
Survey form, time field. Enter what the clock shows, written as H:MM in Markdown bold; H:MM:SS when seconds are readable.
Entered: **4:22:44**
